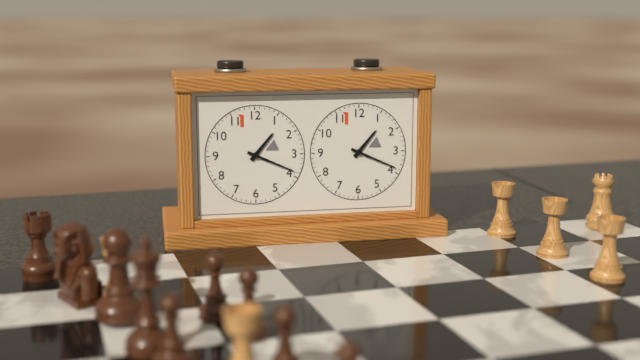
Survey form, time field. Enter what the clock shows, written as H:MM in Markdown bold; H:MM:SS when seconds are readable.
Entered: **1:19**
